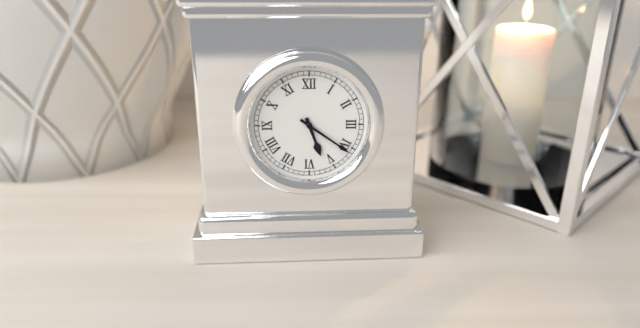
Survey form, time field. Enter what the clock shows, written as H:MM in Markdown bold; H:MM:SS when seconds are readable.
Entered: **5:21**
